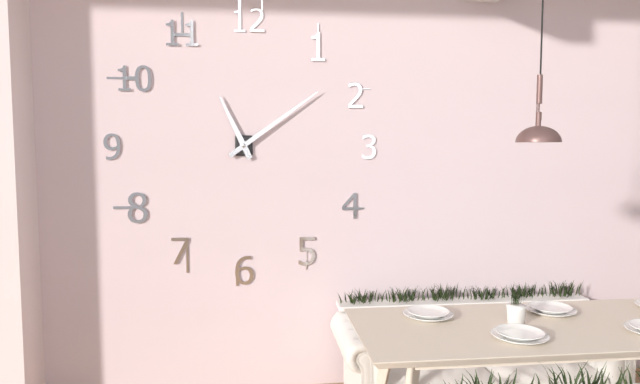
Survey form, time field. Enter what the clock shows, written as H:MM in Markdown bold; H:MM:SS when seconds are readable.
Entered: **11:09**
